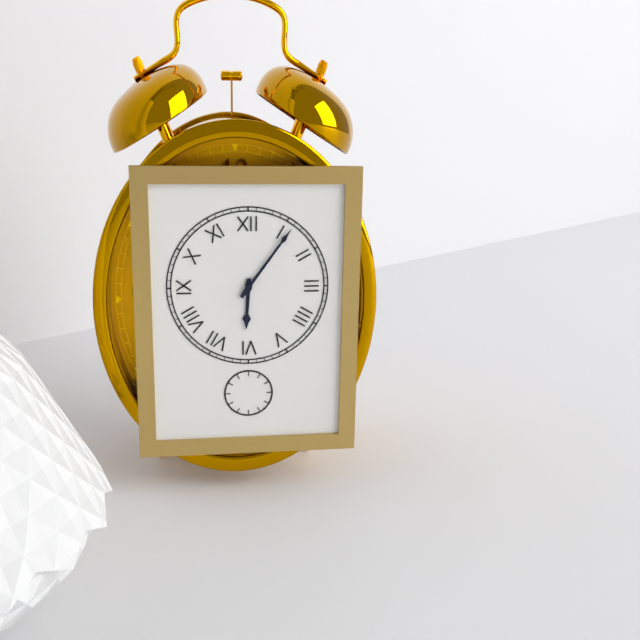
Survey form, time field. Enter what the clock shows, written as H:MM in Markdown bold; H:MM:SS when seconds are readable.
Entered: **6:06**
